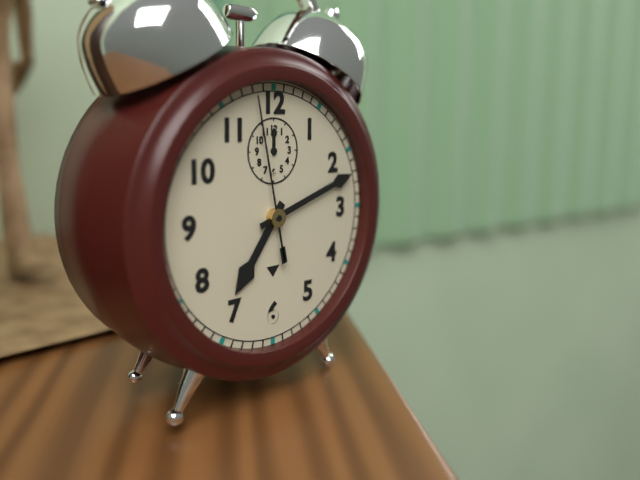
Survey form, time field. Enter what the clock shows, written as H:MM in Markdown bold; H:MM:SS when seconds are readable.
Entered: **7:12:58**
